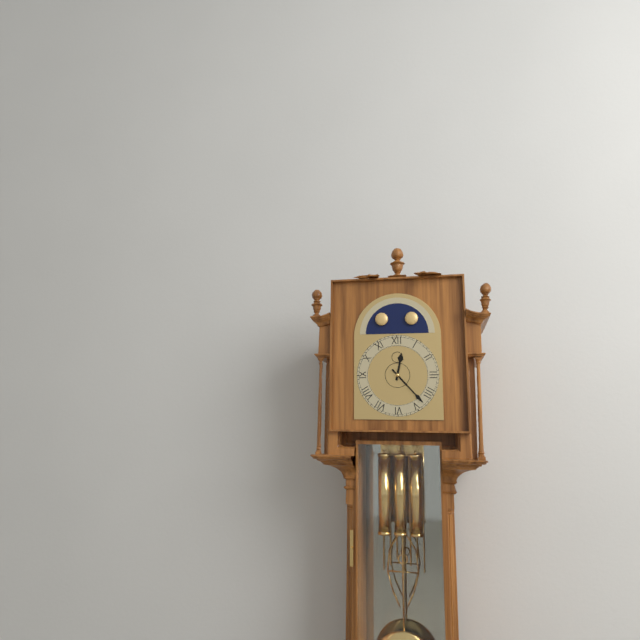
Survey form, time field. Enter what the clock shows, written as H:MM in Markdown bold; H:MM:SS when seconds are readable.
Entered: **12:23**
